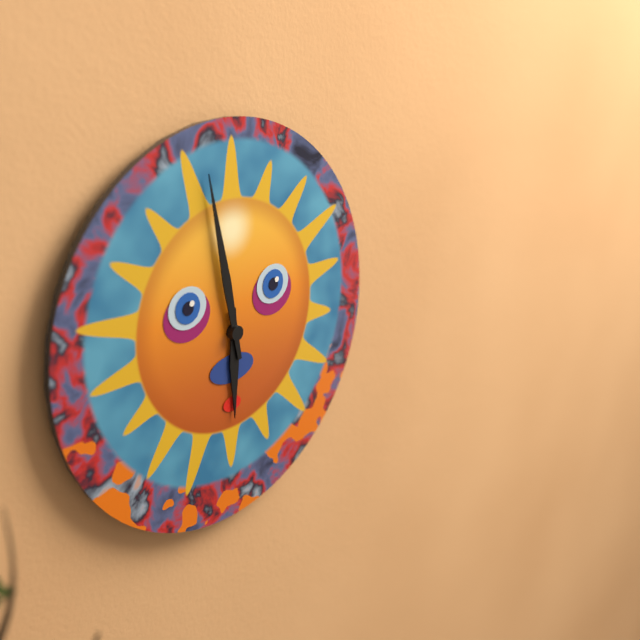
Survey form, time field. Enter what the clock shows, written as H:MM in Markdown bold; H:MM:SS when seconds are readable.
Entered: **5:58**
